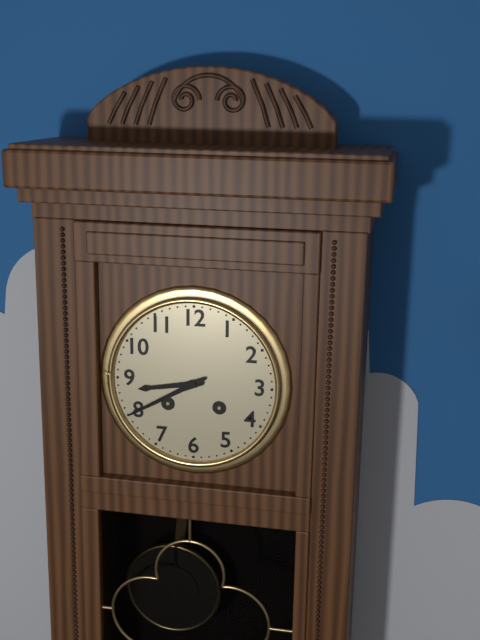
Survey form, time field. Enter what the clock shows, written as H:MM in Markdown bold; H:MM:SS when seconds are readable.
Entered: **8:40**
